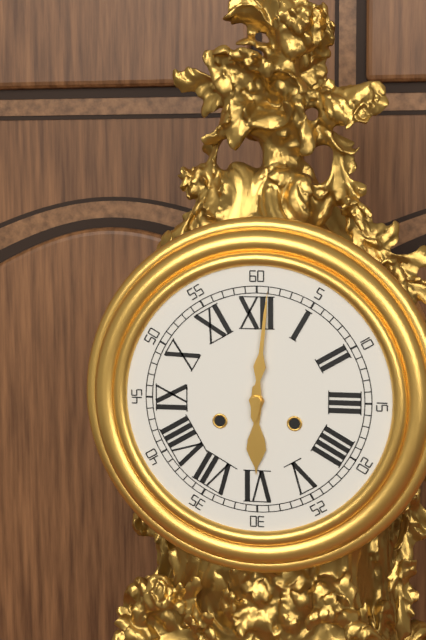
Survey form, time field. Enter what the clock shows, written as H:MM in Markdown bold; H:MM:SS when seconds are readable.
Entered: **6:01**
